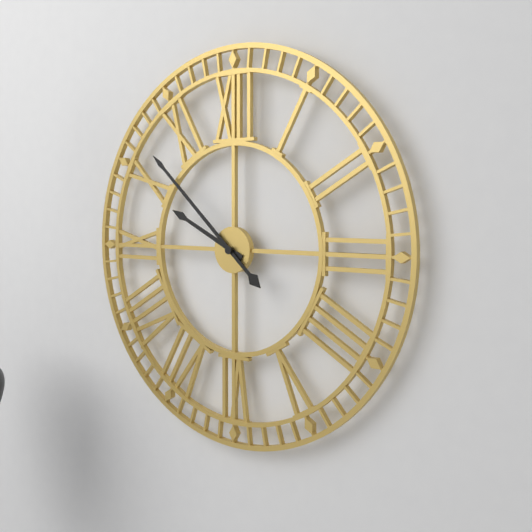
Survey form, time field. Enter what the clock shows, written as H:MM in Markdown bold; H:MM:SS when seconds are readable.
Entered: **9:52**
